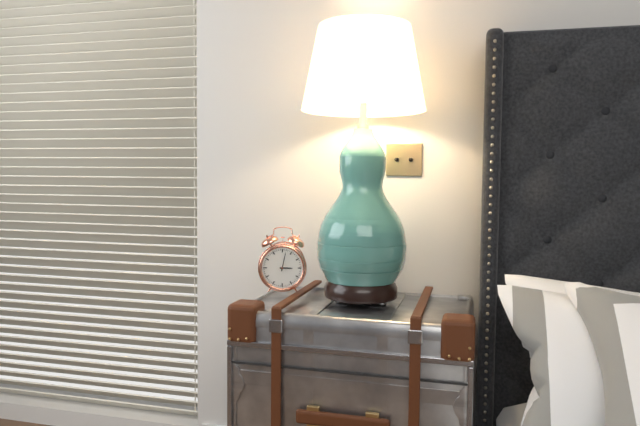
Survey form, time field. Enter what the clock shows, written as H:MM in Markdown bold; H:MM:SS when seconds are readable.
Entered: **3:02**
